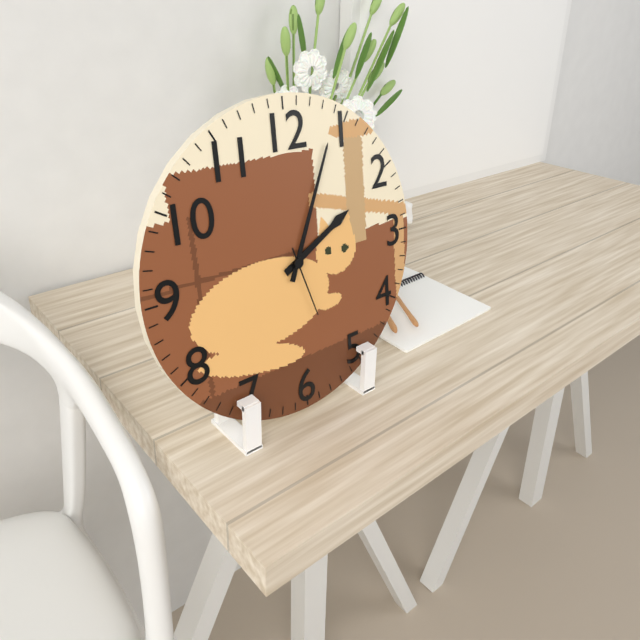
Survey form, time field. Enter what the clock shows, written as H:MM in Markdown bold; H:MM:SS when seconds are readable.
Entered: **2:04:27**
